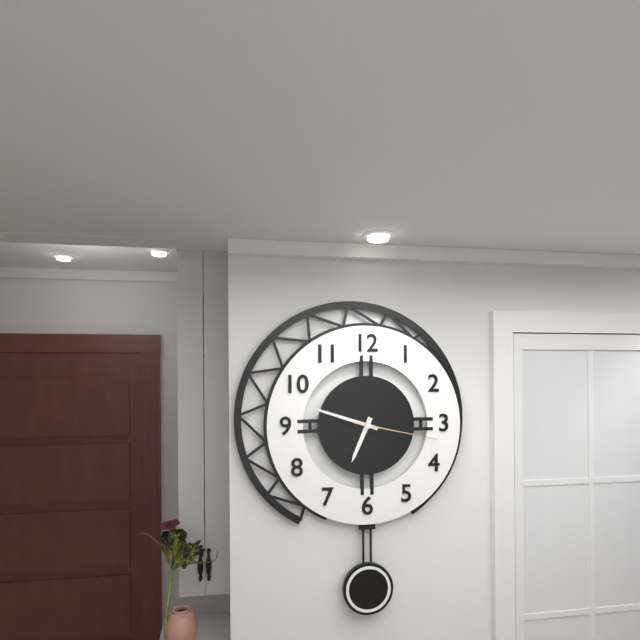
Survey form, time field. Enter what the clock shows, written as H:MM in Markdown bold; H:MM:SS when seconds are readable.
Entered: **6:48:17**
